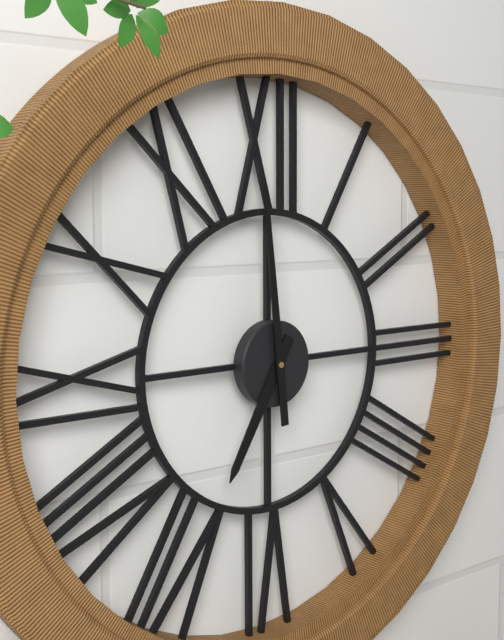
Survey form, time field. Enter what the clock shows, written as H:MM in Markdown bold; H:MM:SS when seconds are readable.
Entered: **6:59**
